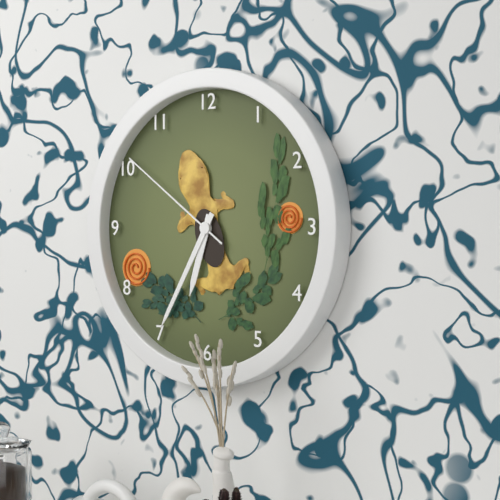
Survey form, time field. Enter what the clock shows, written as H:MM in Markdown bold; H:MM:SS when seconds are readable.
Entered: **6:35:51**
